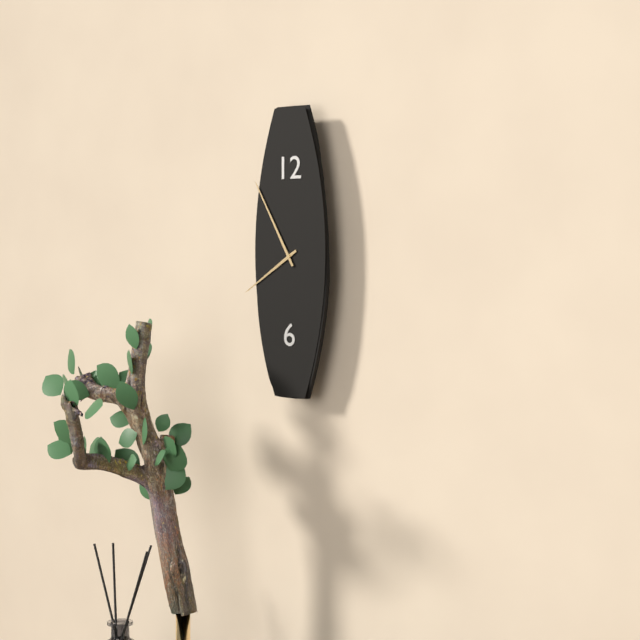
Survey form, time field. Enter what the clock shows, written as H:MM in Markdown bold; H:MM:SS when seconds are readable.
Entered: **7:55**
